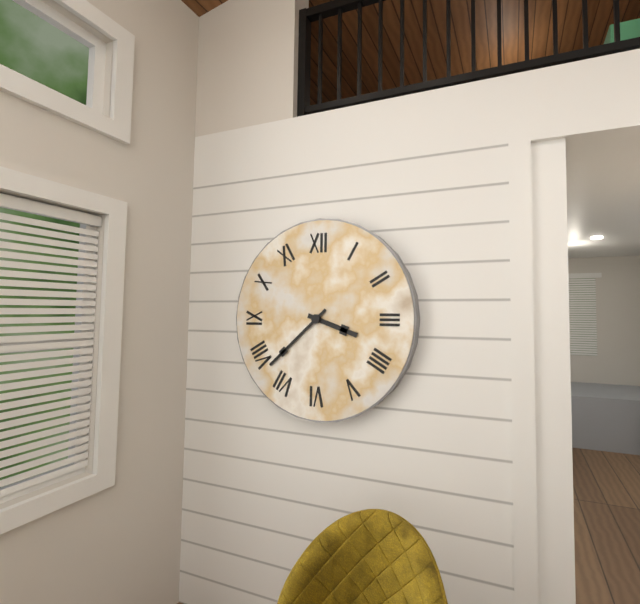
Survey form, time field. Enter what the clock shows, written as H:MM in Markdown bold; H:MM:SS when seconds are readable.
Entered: **3:38**
